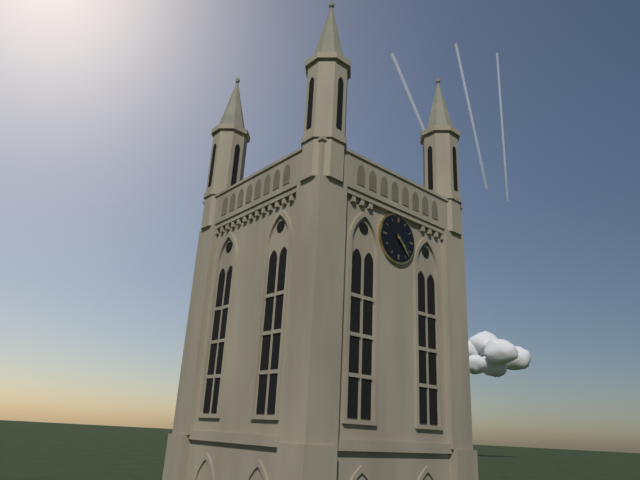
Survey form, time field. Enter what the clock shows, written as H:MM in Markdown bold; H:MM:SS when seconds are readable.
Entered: **4:23**
